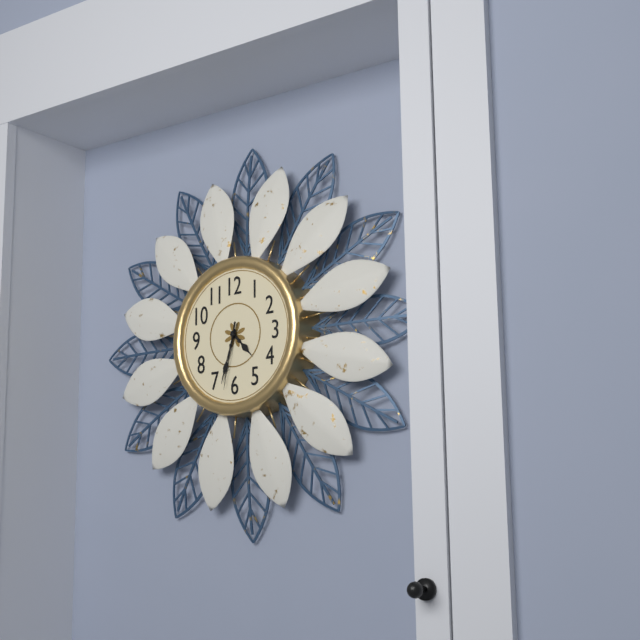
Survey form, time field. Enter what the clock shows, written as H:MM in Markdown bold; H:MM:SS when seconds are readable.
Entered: **4:33:32**
